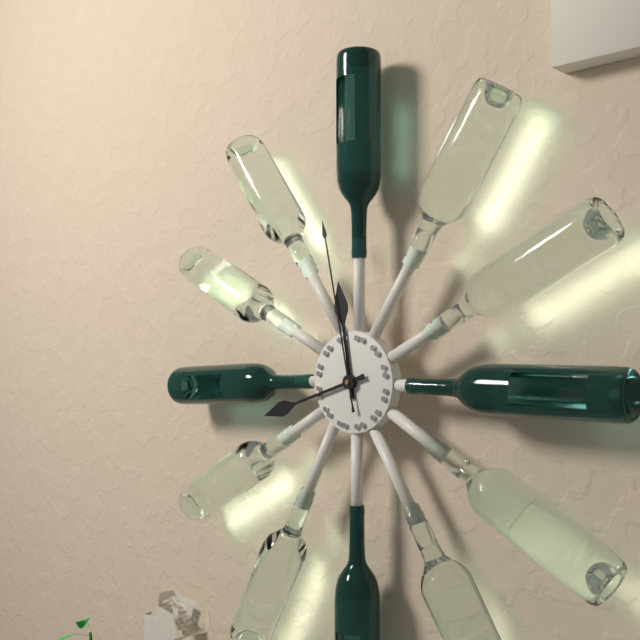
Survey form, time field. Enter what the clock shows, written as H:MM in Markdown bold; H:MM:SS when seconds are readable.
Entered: **11:42:58**
